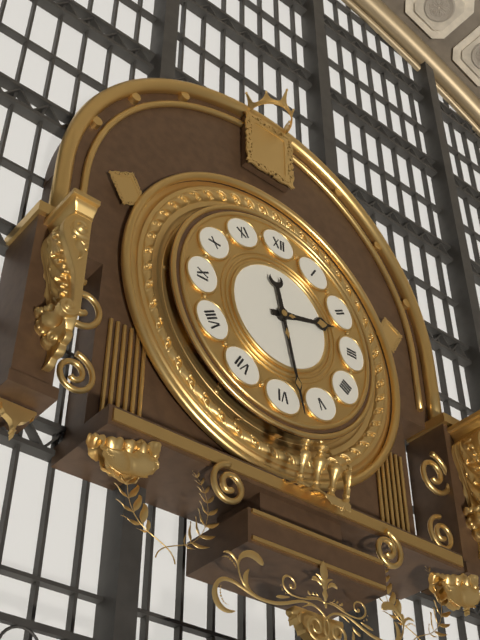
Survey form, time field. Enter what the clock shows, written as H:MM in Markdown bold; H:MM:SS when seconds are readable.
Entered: **2:28**
